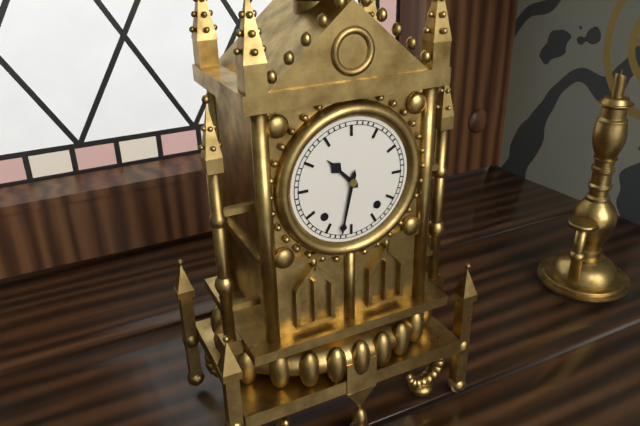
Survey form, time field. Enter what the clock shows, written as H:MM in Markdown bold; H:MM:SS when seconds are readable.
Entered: **10:32**
